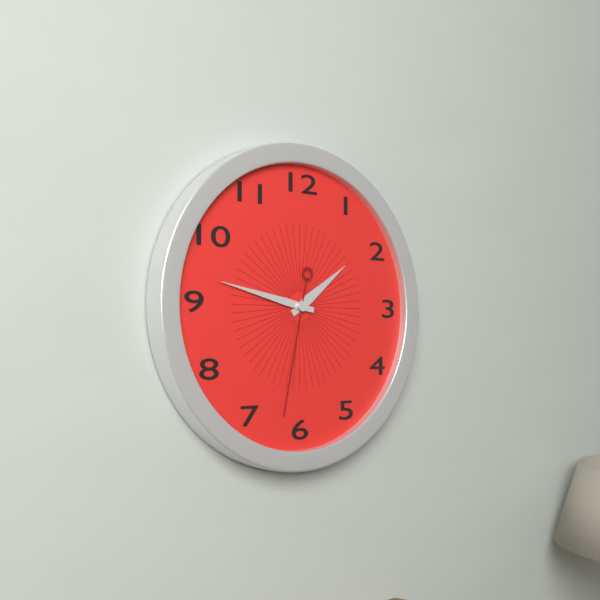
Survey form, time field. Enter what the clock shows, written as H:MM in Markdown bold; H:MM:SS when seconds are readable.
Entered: **1:47:32**
